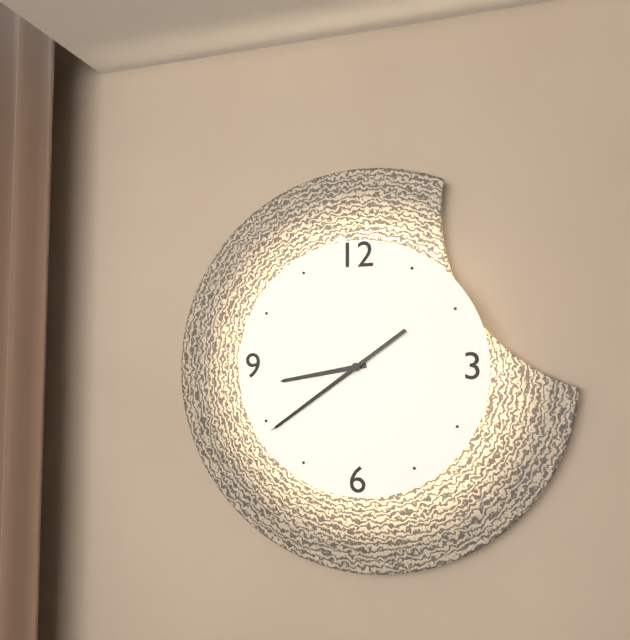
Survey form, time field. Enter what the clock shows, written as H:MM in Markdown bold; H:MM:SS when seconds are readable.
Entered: **8:39:39**
